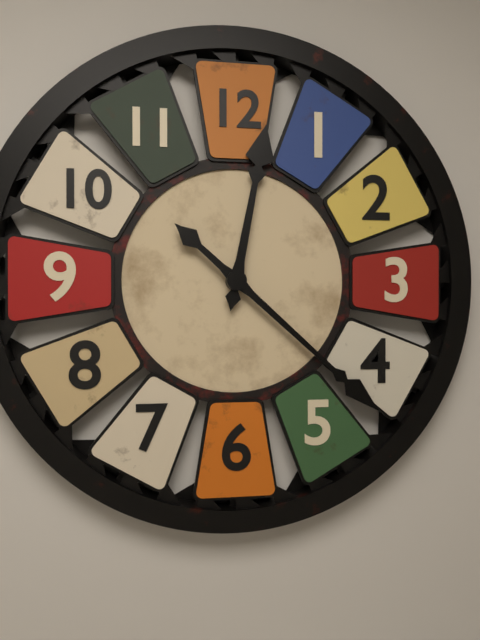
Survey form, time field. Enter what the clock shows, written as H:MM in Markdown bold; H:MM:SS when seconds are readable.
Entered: **12:22**
